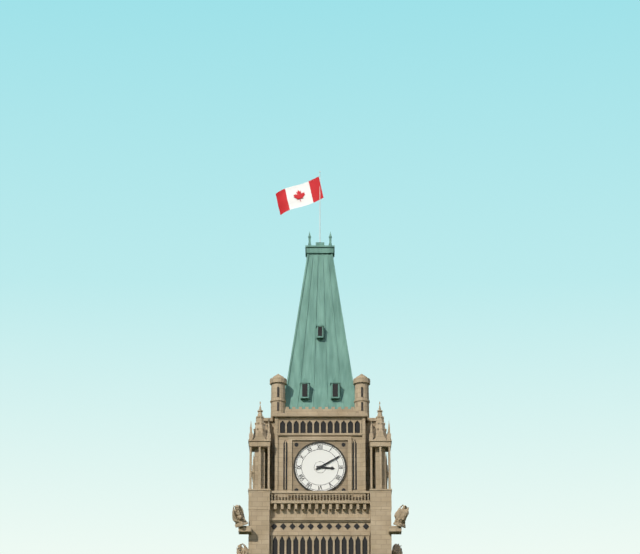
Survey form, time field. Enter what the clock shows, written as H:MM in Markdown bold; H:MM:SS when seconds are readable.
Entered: **3:10**
